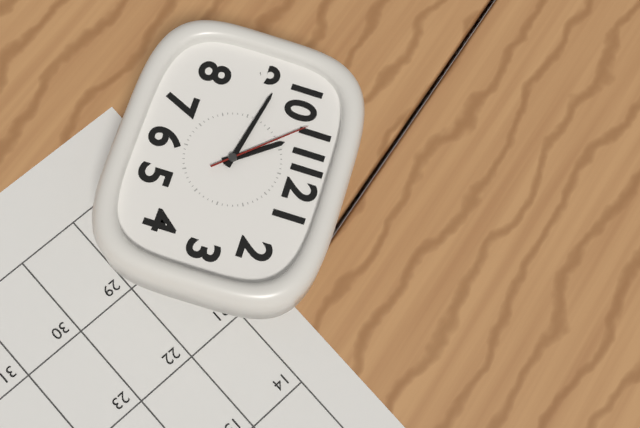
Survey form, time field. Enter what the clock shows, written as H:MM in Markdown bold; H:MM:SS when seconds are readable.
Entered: **10:47:53**
